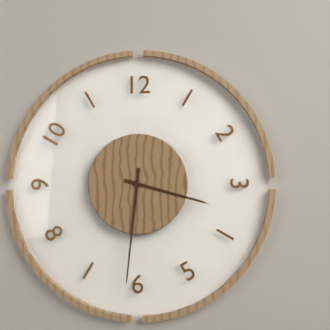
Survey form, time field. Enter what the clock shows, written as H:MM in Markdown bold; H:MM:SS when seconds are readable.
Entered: **3:31**
